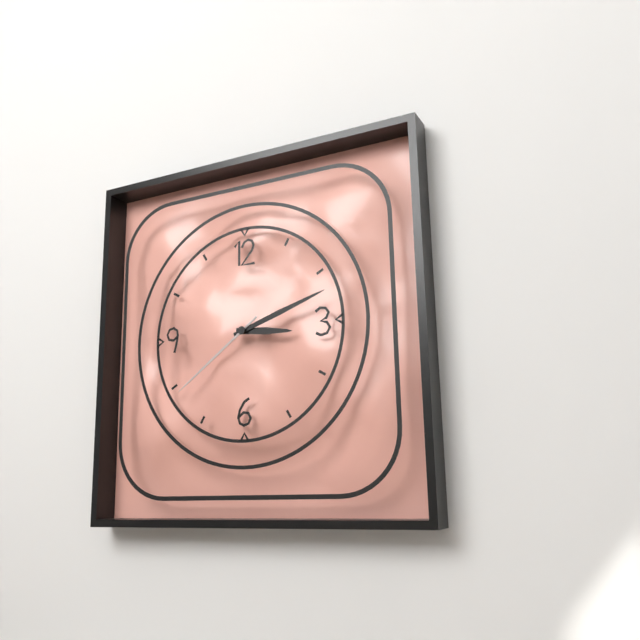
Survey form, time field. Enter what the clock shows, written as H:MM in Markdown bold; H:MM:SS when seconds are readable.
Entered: **3:12:39**
